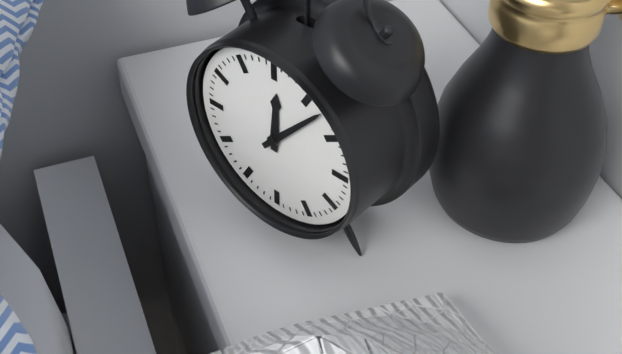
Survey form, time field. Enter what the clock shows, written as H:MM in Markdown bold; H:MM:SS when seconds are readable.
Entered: **12:07**
